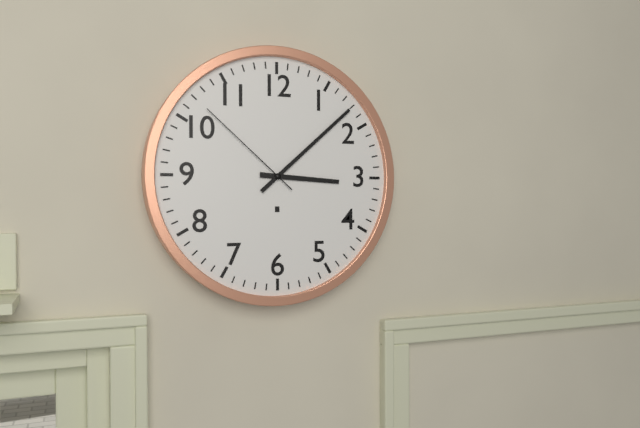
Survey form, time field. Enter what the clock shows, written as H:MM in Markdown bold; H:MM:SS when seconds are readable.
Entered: **3:08:52**
